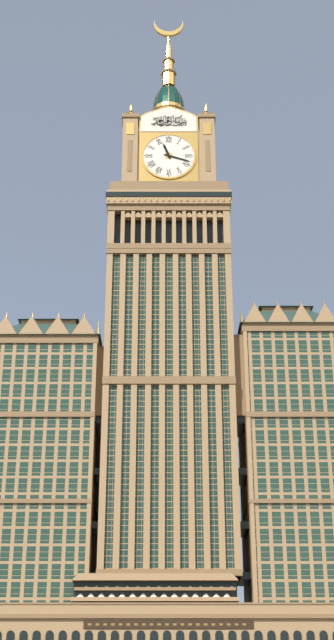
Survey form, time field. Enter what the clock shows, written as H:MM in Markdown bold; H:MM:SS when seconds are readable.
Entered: **11:18**
